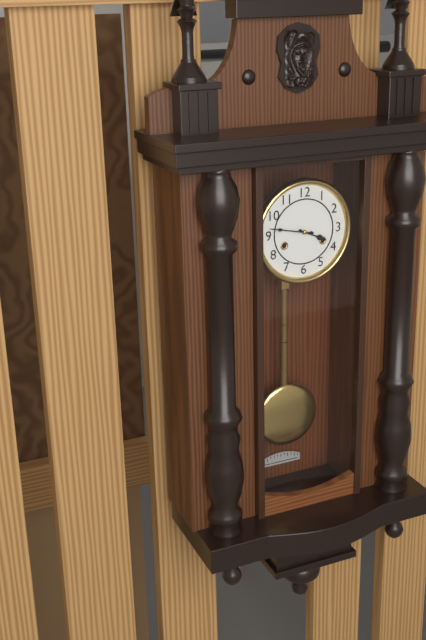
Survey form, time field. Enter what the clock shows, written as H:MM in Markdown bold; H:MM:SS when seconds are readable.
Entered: **3:47**
